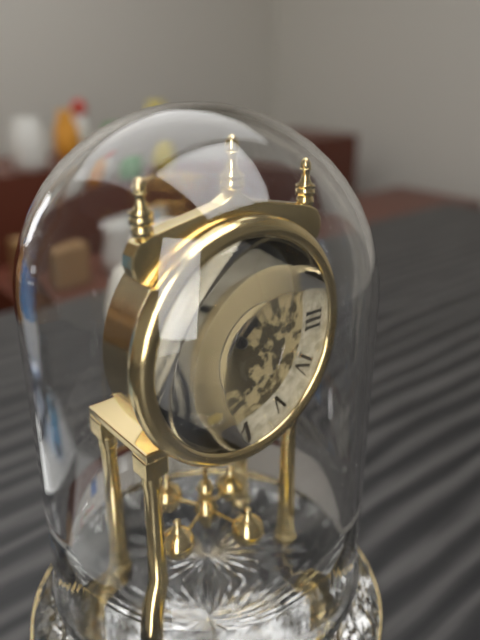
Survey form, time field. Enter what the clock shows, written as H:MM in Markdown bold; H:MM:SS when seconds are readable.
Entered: **1:38**
